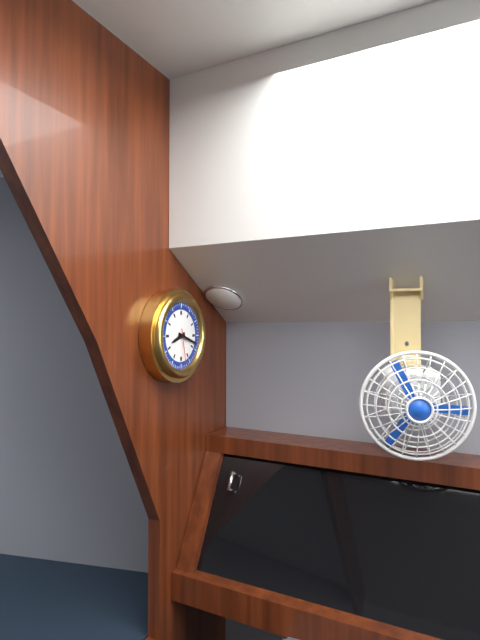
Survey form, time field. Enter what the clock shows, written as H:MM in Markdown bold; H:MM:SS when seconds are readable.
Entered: **8:18**
